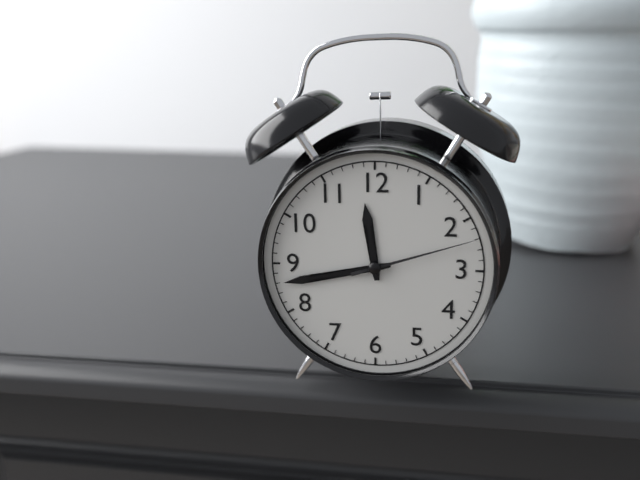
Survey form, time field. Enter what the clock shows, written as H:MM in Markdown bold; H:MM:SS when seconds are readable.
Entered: **11:43:12**
